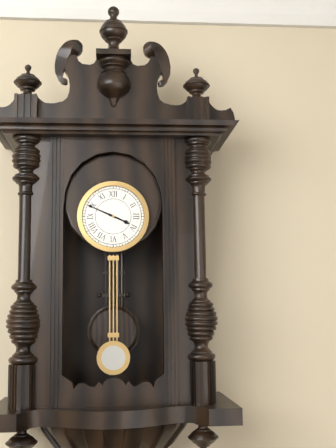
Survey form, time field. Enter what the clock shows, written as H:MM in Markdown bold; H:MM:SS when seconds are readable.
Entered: **3:49**
